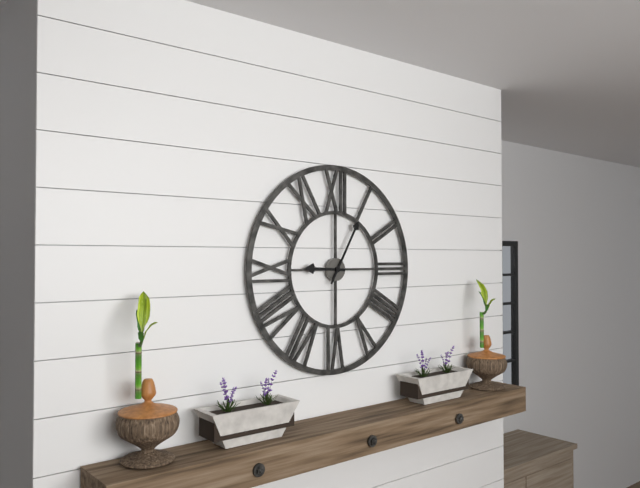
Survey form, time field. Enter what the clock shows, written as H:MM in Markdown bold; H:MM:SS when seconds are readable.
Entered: **9:05**
